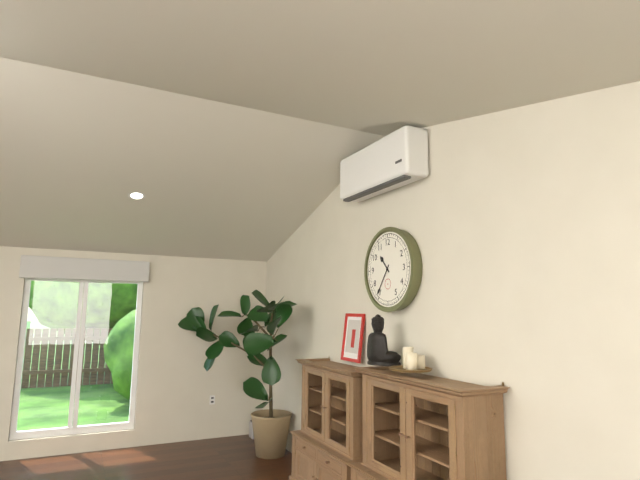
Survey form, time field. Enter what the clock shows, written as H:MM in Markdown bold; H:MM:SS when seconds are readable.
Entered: **10:36**
